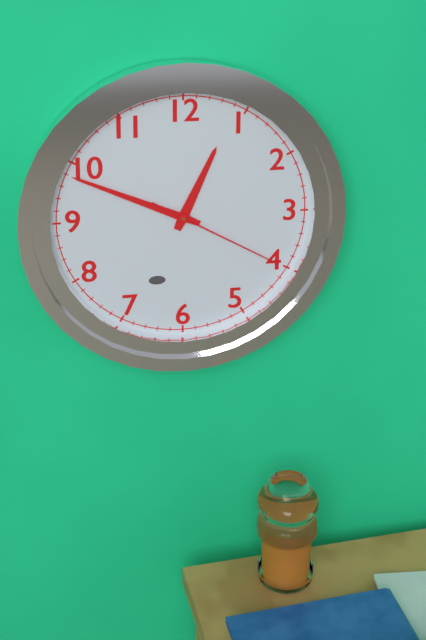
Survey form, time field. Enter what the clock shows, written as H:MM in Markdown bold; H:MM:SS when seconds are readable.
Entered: **12:49:20**
